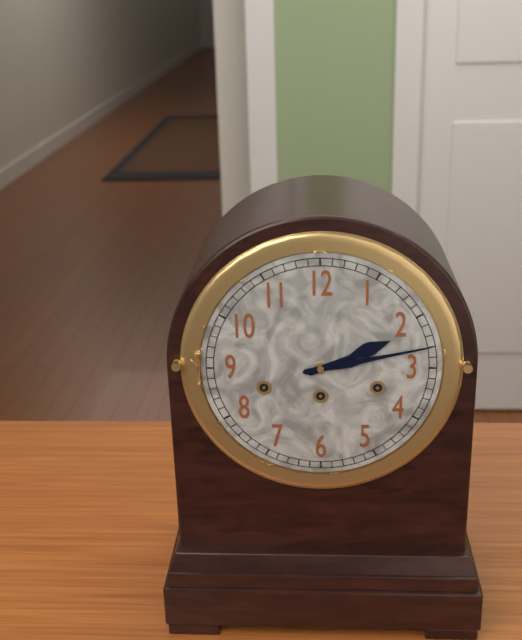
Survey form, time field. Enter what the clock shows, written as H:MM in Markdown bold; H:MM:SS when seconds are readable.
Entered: **2:13**
